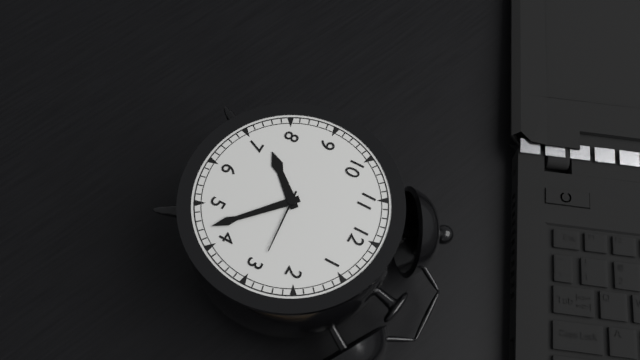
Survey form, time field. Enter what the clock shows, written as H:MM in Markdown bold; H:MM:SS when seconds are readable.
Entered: **7:22**
